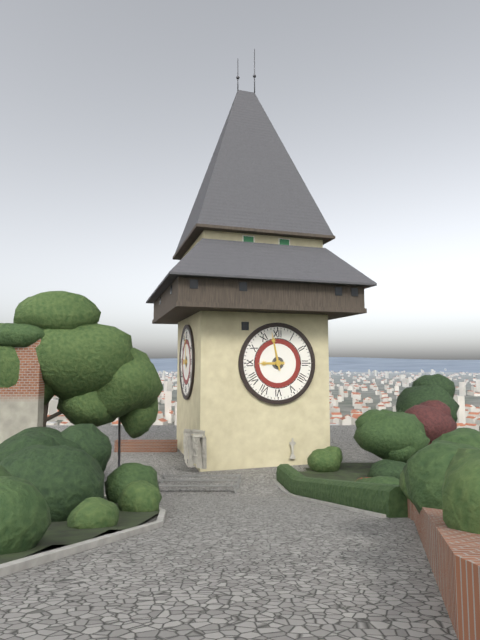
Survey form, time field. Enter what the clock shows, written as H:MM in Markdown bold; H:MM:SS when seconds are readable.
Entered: **8:58**
